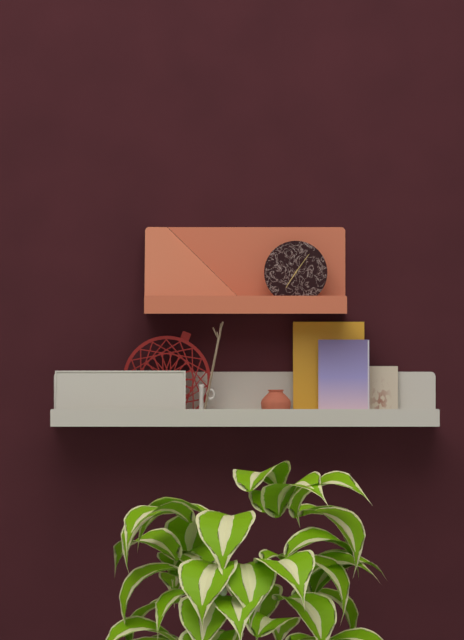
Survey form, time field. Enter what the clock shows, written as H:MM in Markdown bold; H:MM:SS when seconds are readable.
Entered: **7:06**
